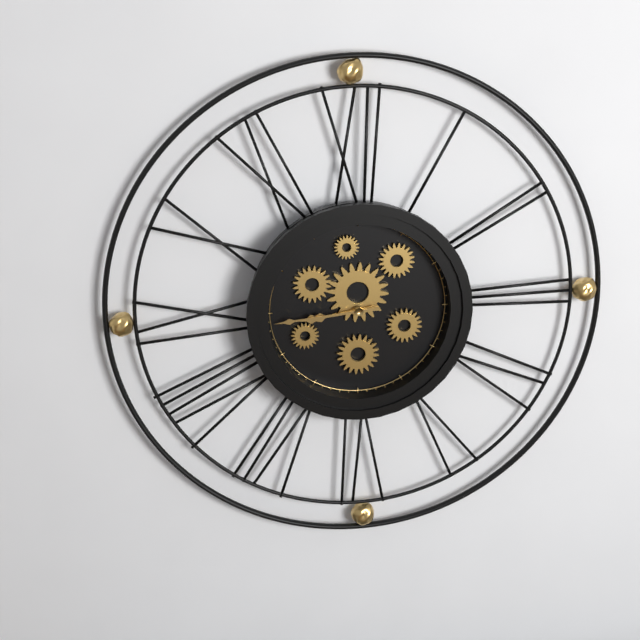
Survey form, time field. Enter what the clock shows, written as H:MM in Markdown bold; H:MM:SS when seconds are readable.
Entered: **8:44**
